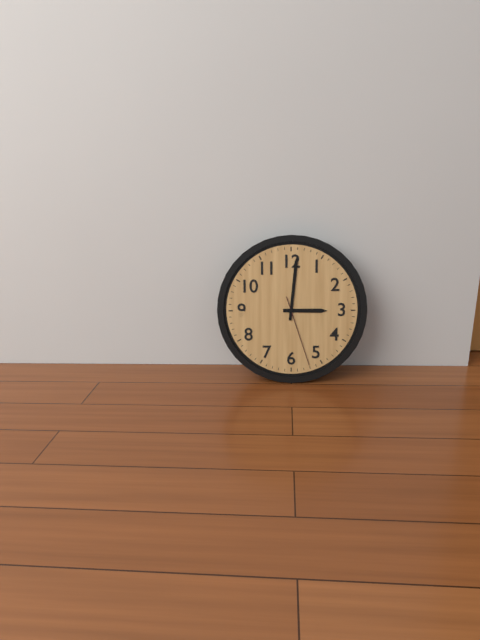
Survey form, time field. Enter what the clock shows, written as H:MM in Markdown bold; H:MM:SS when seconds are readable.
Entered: **3:01:27**
